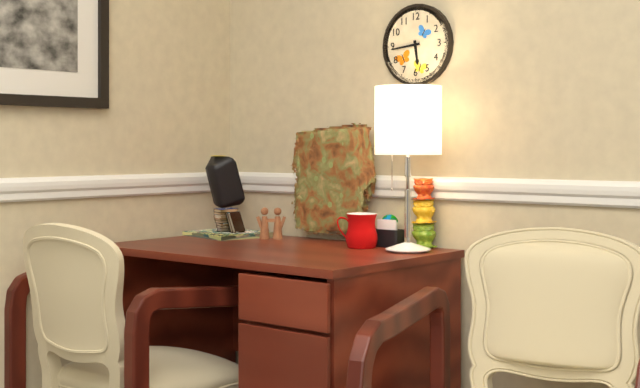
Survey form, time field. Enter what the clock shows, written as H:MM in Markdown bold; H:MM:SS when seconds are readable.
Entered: **5:44**
